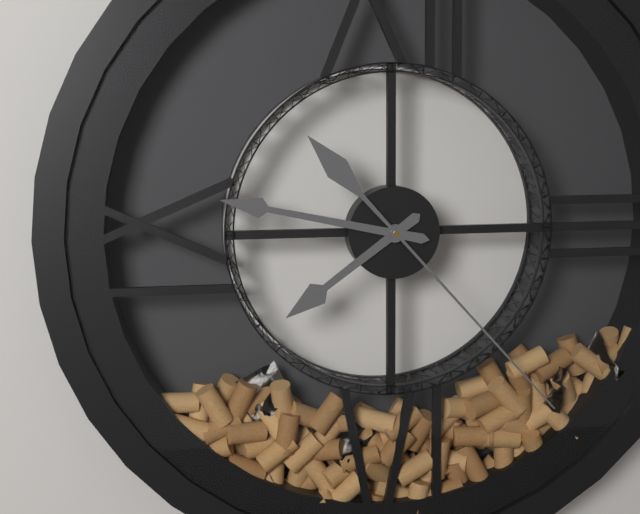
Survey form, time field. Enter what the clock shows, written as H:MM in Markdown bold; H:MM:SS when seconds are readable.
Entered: **7:47:23**
